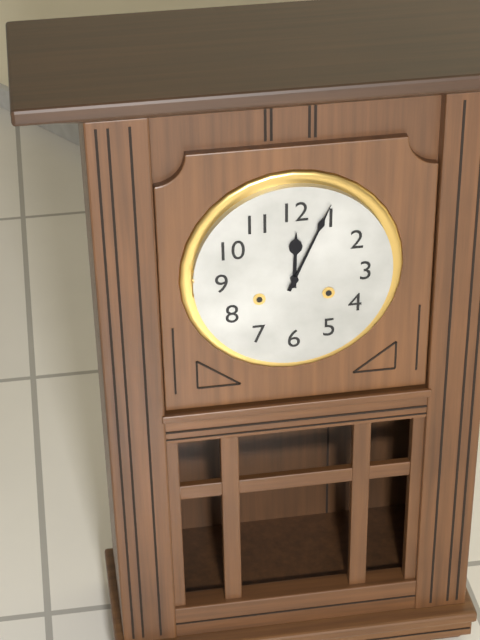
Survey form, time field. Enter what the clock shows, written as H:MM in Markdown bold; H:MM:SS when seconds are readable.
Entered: **12:04**
